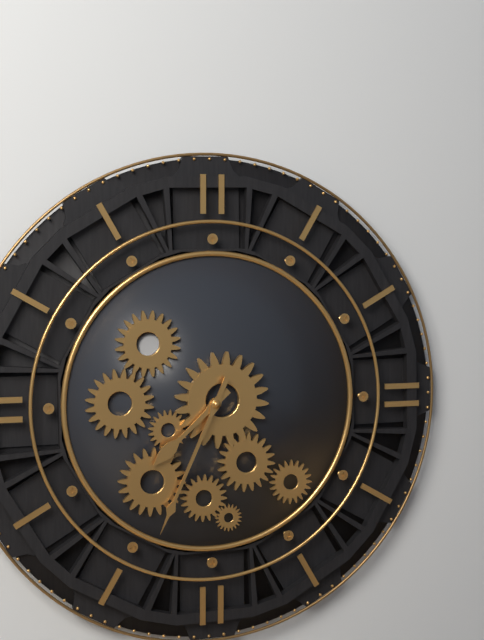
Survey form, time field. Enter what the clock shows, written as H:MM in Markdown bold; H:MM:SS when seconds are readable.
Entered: **7:34**
